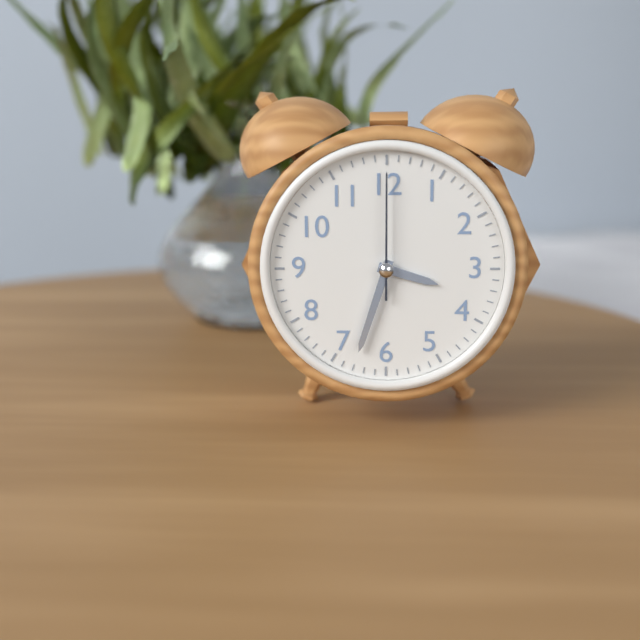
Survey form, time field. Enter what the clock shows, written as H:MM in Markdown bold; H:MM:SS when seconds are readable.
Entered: **3:33:00**
